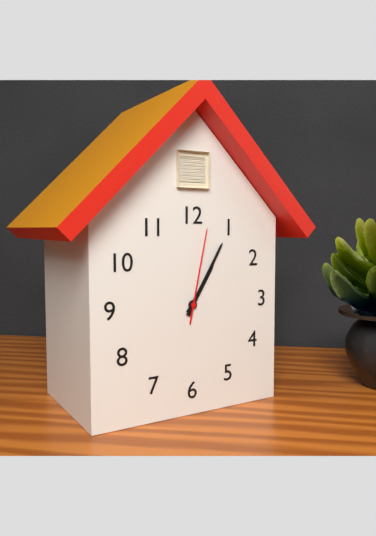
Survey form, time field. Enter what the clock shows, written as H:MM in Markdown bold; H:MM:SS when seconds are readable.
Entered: **1:05:02**
